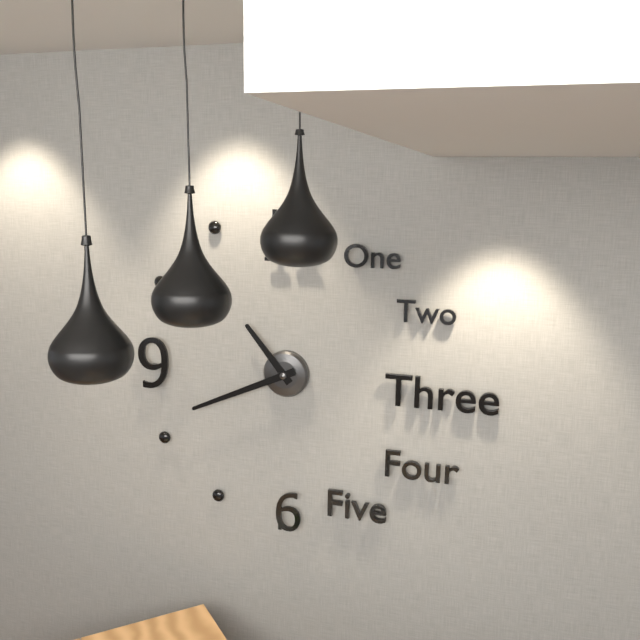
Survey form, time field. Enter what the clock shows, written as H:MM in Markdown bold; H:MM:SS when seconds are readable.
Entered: **10:41**
